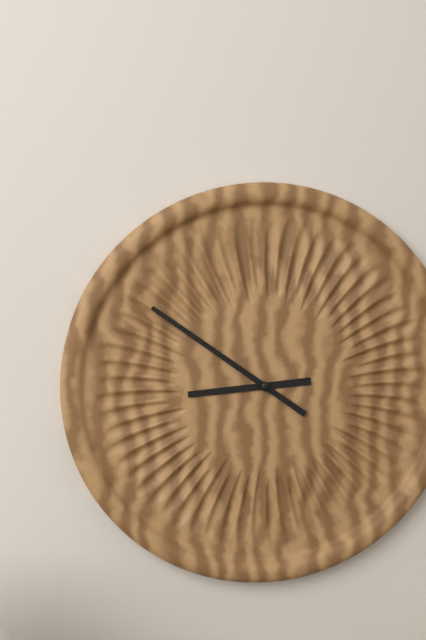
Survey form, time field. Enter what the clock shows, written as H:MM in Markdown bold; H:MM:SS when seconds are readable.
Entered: **8:51**
